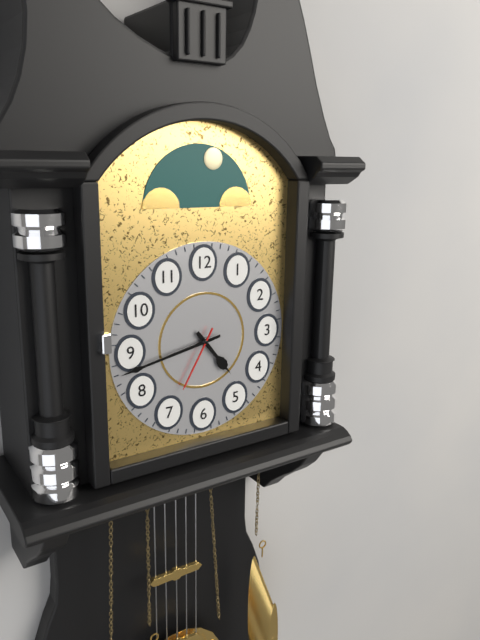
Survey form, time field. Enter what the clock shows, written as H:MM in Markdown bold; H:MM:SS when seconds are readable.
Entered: **4:43:35**
